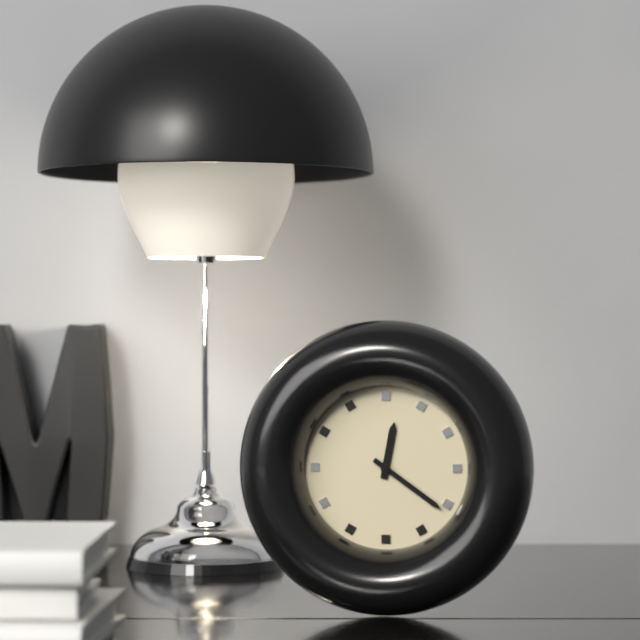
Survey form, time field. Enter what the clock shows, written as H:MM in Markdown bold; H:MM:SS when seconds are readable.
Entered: **12:21**
